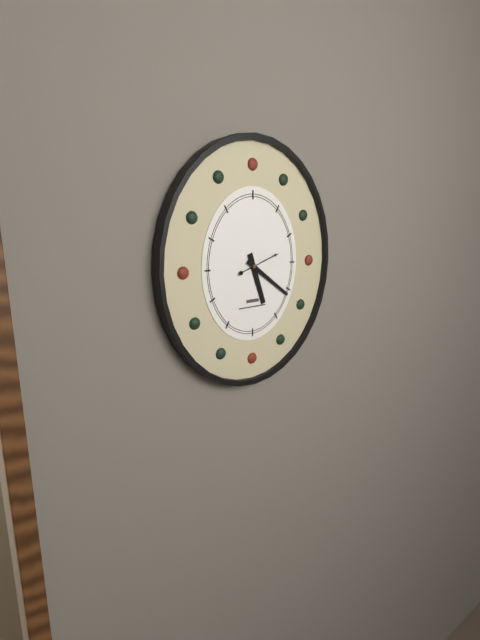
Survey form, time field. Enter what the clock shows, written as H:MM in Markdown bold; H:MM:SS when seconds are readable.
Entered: **5:21**
